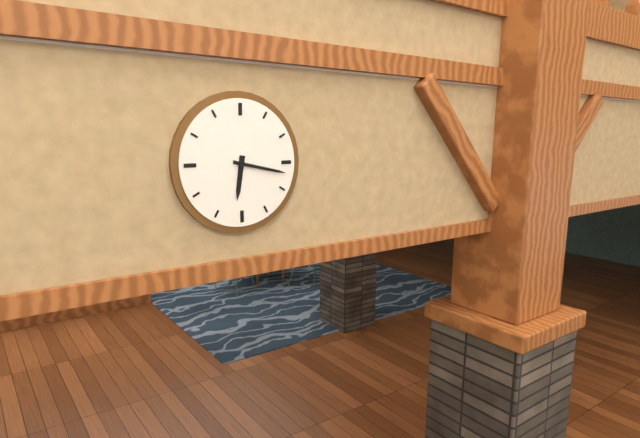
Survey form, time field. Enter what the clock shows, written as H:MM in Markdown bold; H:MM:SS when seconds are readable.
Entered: **6:17**
